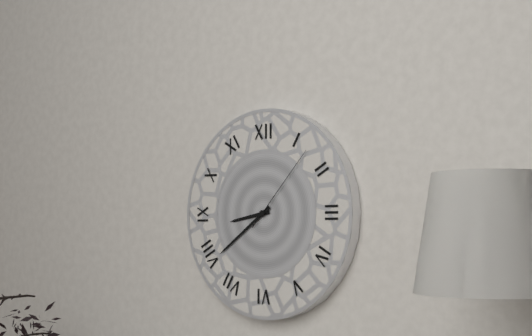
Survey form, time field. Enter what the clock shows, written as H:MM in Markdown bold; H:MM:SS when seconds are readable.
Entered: **8:39:07**
